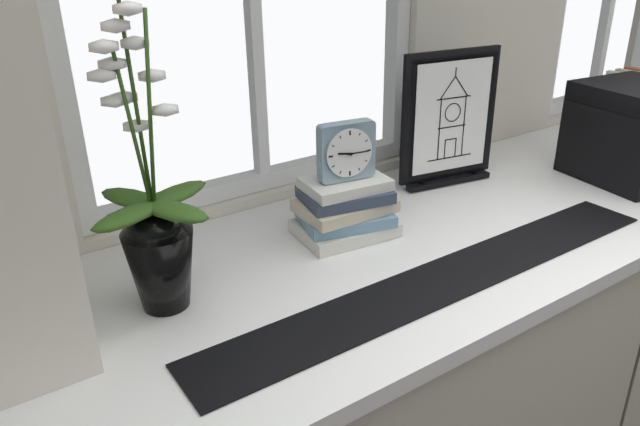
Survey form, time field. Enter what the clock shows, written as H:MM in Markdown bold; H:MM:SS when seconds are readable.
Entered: **9:15**
